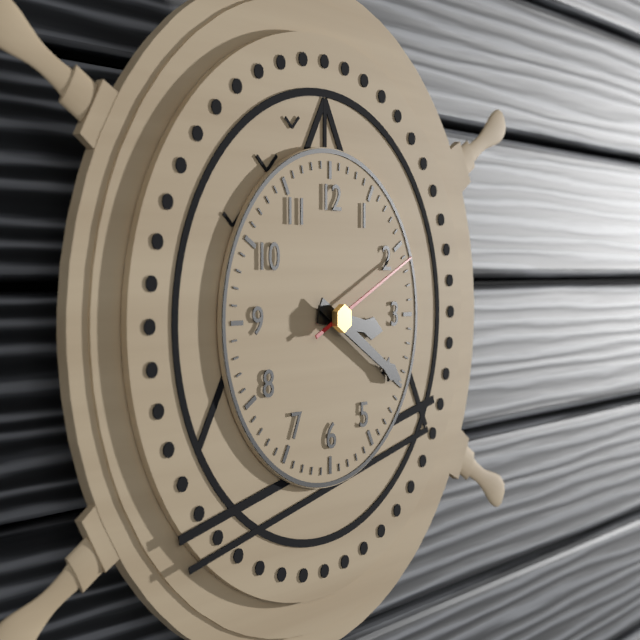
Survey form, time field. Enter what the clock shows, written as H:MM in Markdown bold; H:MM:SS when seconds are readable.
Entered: **3:20:11**
